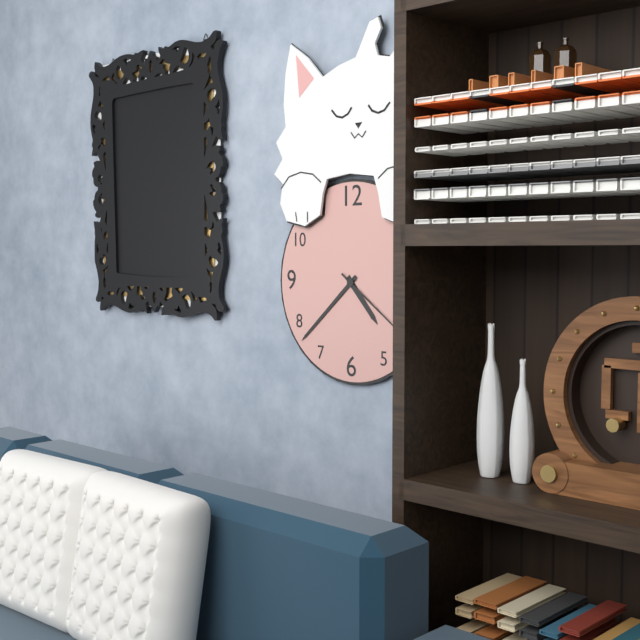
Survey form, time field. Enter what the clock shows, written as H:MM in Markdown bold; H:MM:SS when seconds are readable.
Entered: **4:38:21**
